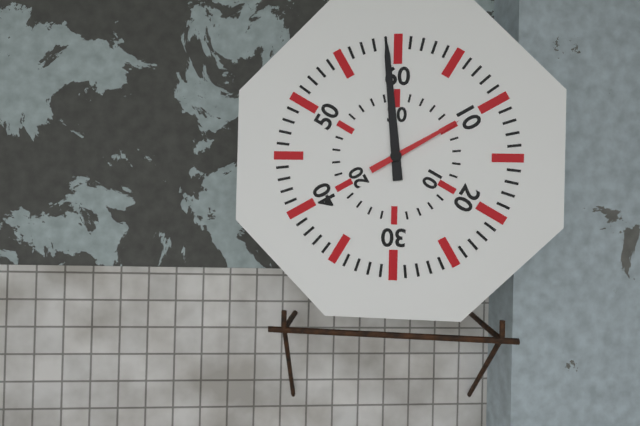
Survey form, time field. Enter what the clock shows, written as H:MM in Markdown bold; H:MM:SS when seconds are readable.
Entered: **1:59**
